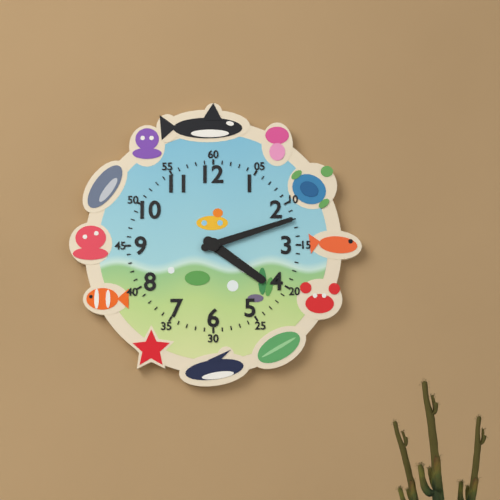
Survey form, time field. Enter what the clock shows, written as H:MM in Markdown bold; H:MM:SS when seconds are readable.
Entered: **4:12**
